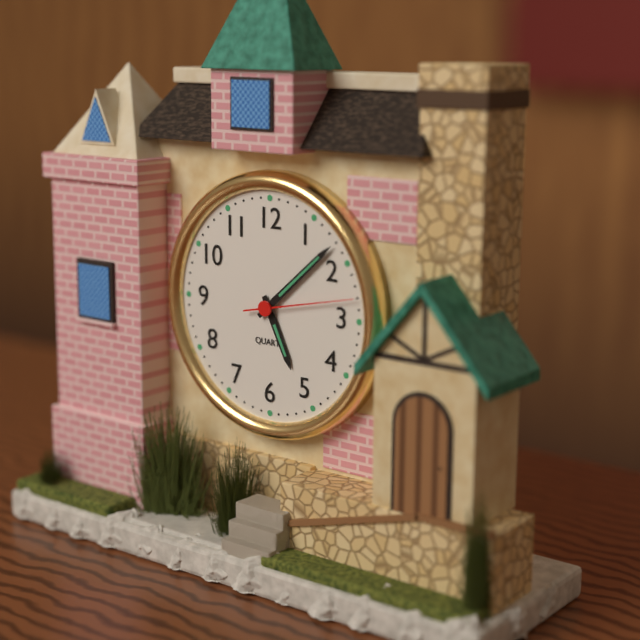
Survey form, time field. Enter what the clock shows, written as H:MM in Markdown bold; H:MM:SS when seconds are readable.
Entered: **5:08:13**
